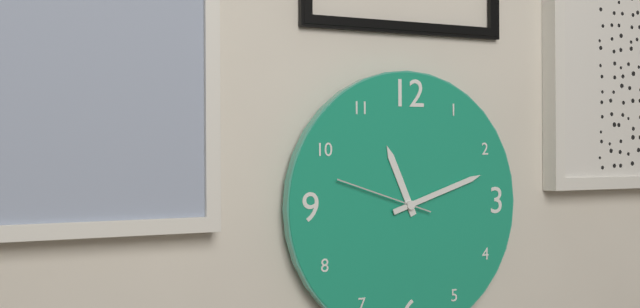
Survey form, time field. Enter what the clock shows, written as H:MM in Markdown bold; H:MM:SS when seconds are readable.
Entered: **11:12:48**
